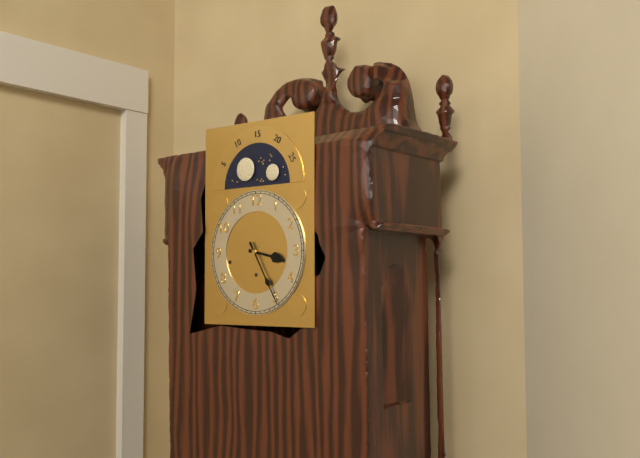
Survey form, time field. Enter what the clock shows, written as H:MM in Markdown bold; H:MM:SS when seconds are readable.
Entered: **3:25**
